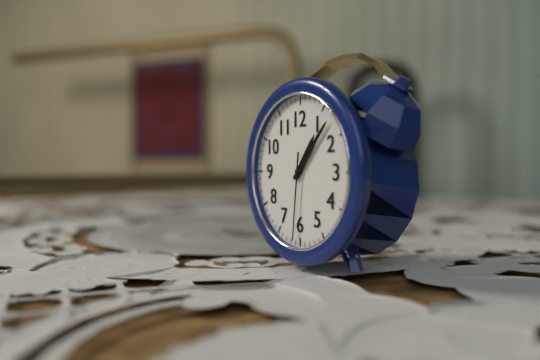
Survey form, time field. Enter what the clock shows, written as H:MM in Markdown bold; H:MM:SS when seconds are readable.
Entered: **1:07:31**
